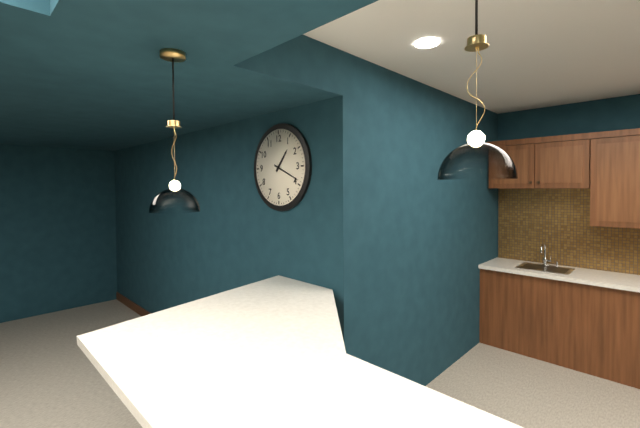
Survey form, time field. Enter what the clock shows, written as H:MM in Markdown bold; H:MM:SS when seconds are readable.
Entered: **1:19**
